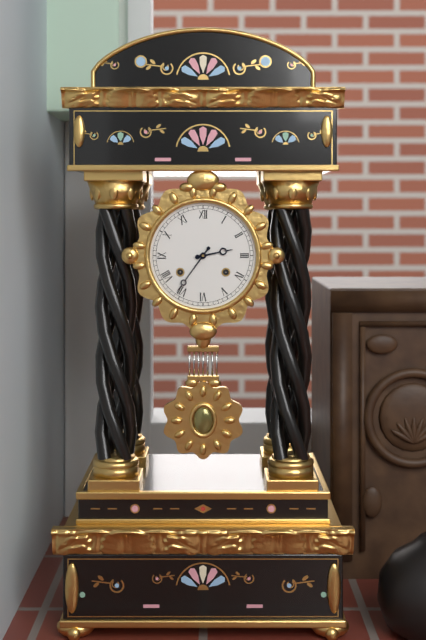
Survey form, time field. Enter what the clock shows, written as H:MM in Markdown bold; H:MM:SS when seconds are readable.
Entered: **2:36**
